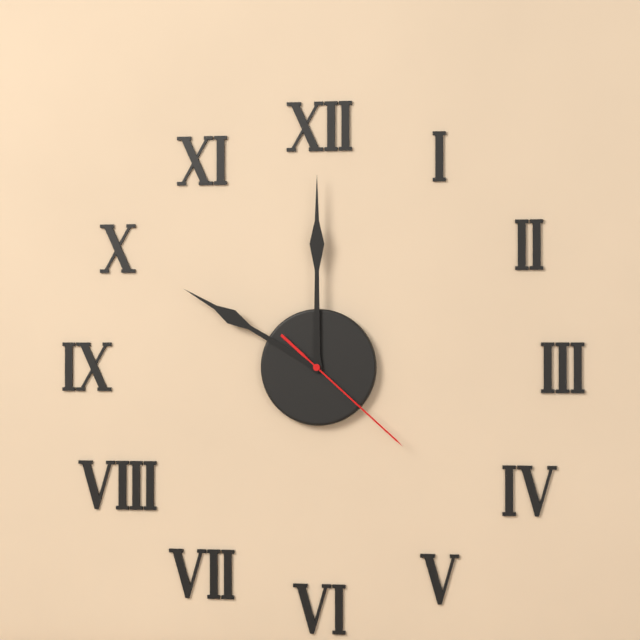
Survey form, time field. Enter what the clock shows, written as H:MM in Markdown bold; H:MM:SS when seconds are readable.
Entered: **10:00:22**
